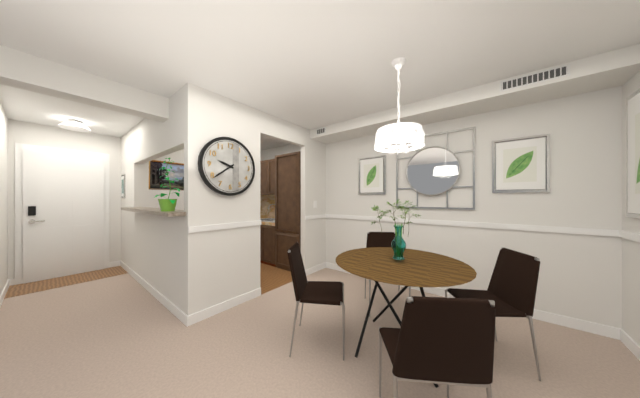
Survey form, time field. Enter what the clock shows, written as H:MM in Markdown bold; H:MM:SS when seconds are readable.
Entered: **9:39**
